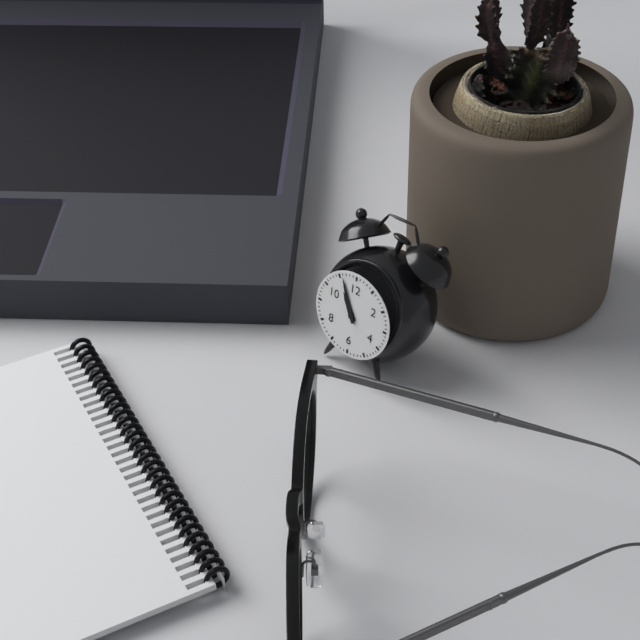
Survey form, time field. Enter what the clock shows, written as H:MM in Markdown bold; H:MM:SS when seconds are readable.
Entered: **10:56**
